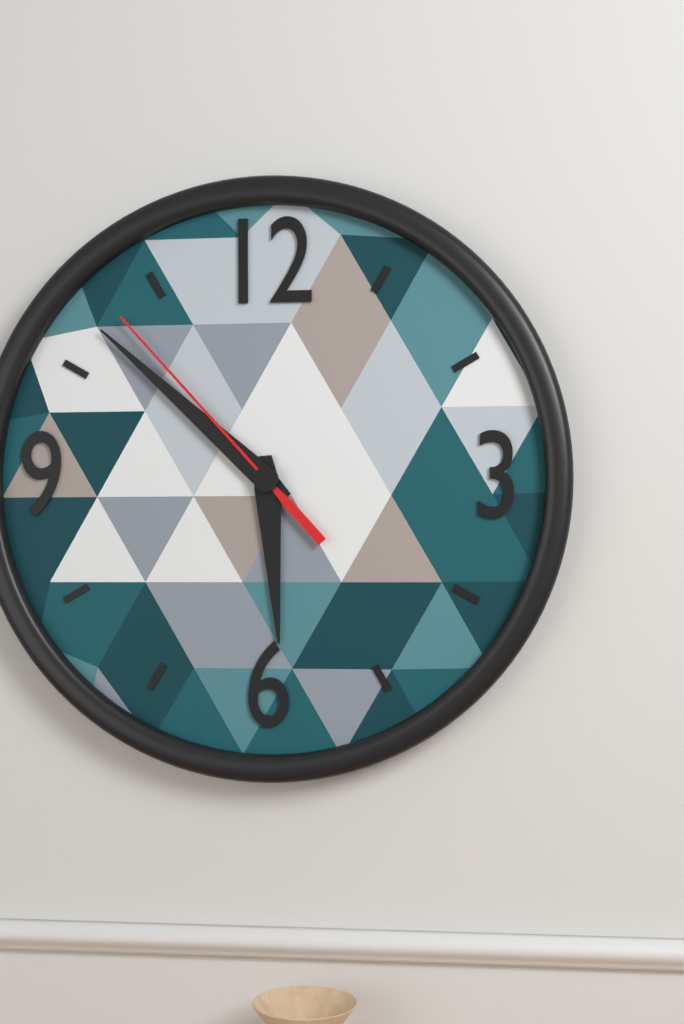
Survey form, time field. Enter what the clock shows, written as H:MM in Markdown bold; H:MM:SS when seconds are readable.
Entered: **5:52:53**
